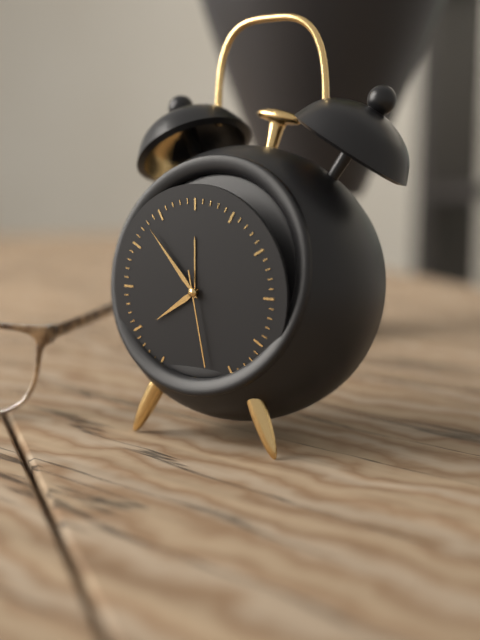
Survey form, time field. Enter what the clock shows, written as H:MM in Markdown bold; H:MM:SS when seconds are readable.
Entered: **7:53:28**
